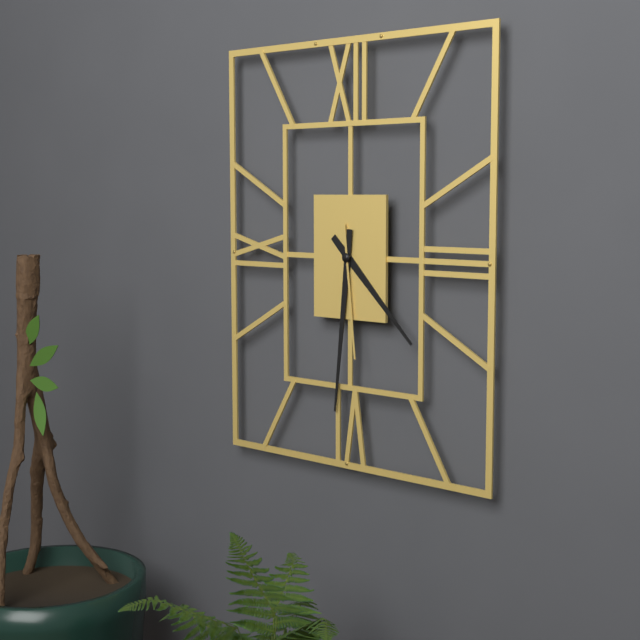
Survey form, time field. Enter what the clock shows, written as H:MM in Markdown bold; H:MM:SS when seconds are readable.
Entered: **4:31:29**
